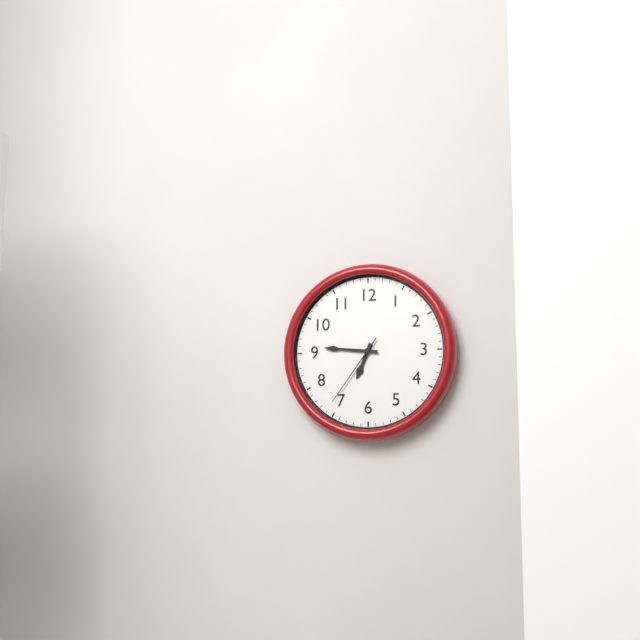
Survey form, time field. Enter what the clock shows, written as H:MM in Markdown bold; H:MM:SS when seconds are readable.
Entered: **6:46:36**
